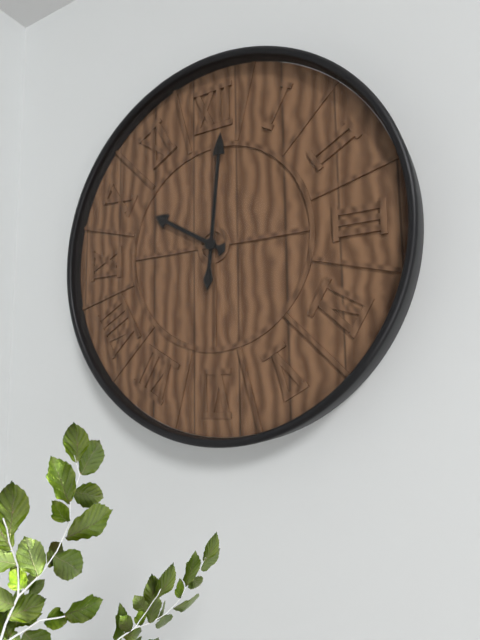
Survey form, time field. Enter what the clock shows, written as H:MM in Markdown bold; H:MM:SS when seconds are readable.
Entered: **10:01**
